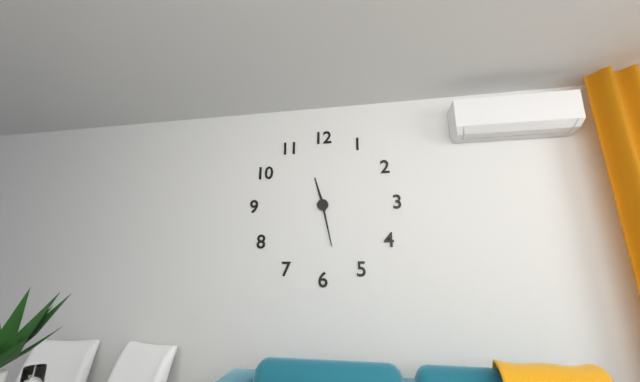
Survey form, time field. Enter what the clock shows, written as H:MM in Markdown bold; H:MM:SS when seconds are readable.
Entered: **11:28**
